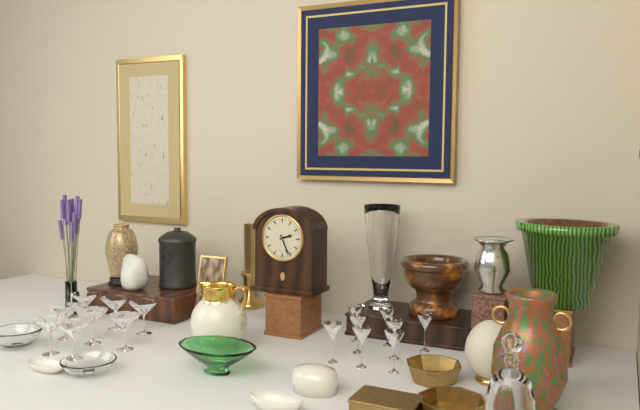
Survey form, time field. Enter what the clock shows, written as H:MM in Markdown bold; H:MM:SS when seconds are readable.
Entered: **2:26**
